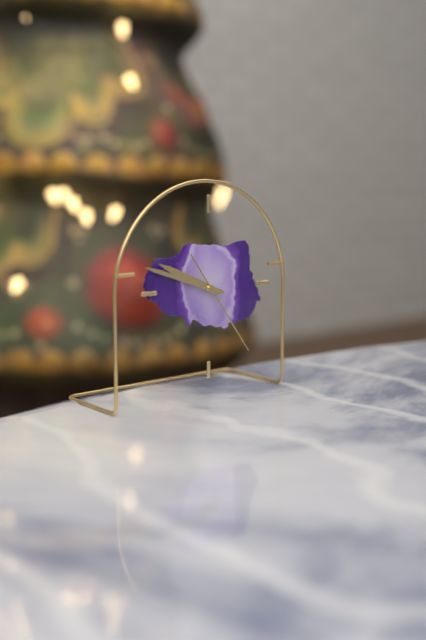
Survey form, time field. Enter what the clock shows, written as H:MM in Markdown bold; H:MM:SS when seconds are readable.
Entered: **9:48:24**
